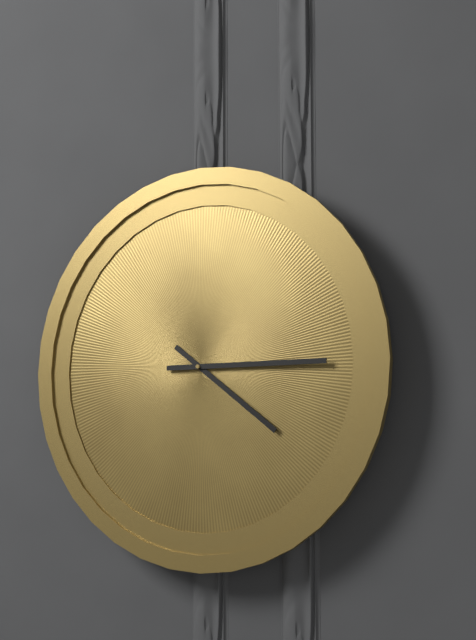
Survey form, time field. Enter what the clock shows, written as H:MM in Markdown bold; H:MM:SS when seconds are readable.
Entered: **4:15**
